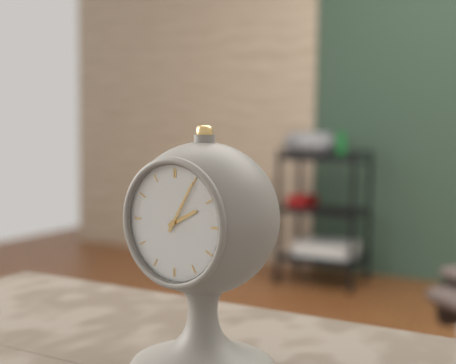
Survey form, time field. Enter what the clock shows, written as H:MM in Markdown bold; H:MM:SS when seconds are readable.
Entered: **2:05**
